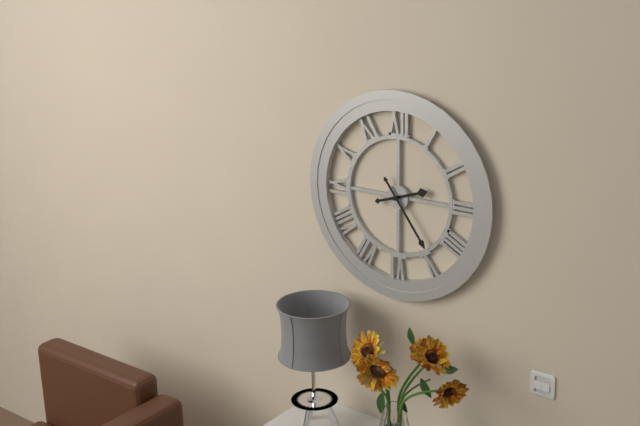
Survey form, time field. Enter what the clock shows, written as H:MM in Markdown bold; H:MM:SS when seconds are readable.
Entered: **2:24**
